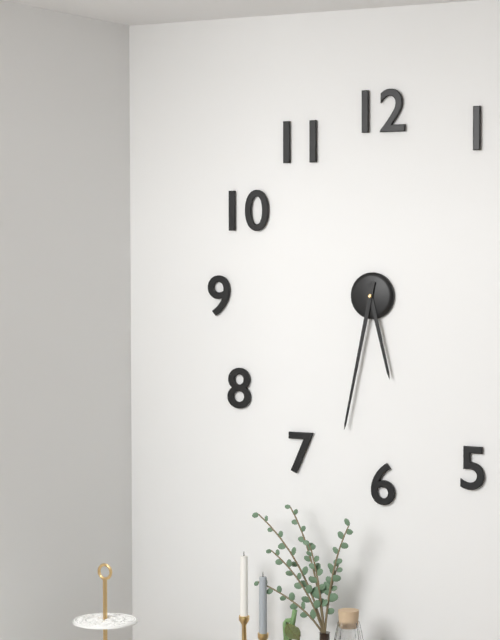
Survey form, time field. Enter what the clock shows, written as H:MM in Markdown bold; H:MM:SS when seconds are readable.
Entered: **5:32**
